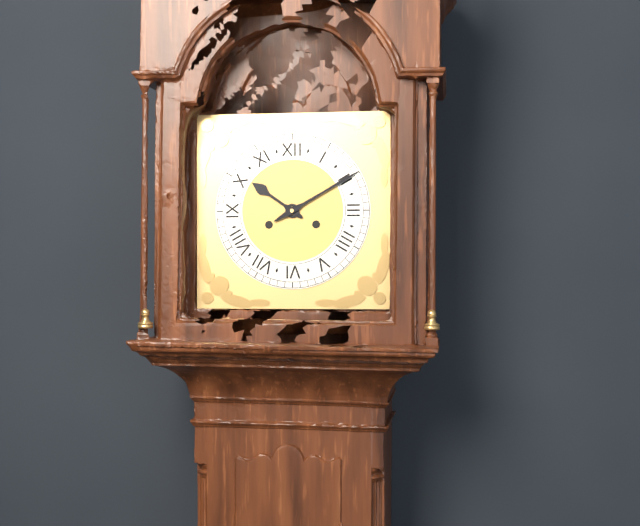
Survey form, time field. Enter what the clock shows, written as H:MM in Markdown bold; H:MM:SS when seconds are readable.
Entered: **10:10**
